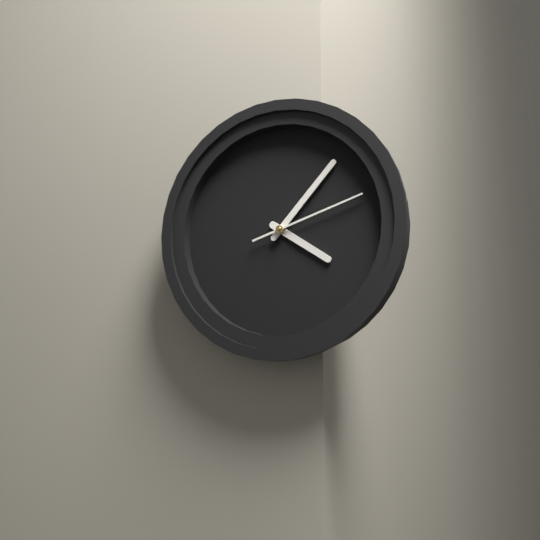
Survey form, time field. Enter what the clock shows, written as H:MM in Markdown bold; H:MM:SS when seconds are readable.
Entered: **4:07:12**
